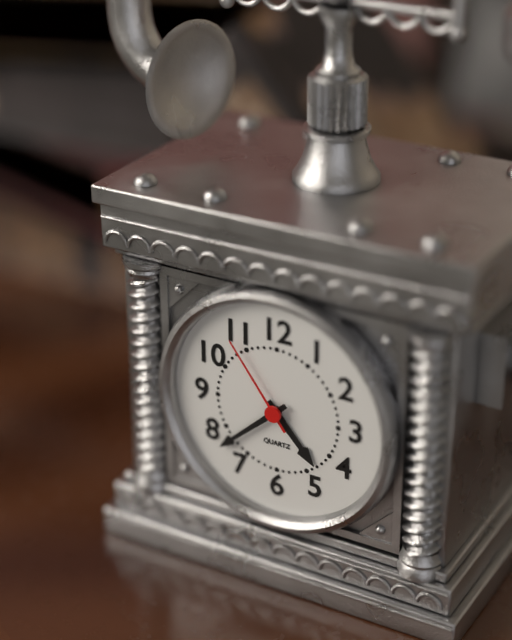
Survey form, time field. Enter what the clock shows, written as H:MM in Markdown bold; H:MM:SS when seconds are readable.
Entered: **4:38:54**
